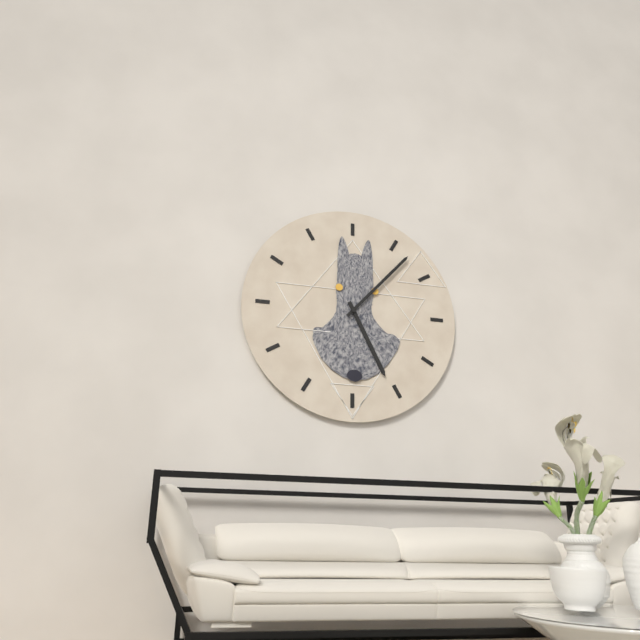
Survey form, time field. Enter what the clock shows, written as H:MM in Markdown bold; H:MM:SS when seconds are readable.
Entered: **5:07**
